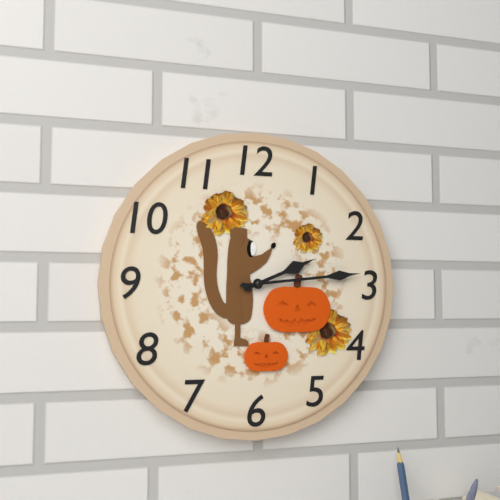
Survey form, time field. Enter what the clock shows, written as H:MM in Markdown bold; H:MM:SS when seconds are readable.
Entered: **2:14**
